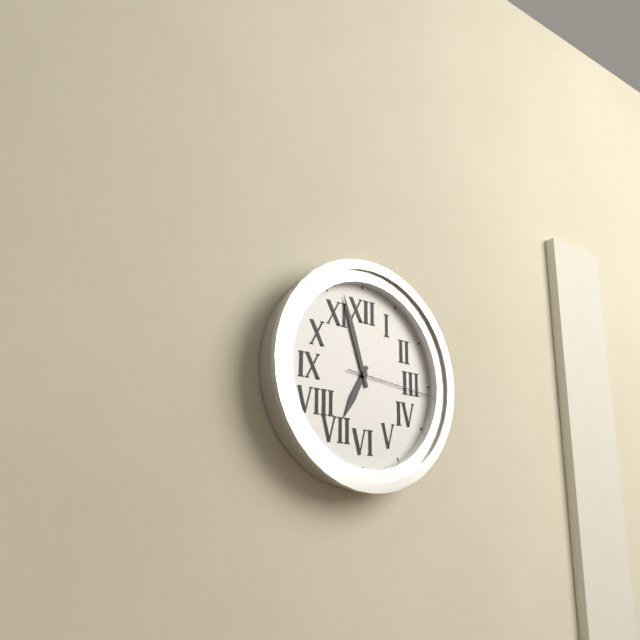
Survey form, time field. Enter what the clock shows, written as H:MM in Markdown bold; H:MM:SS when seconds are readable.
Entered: **6:57:16**
